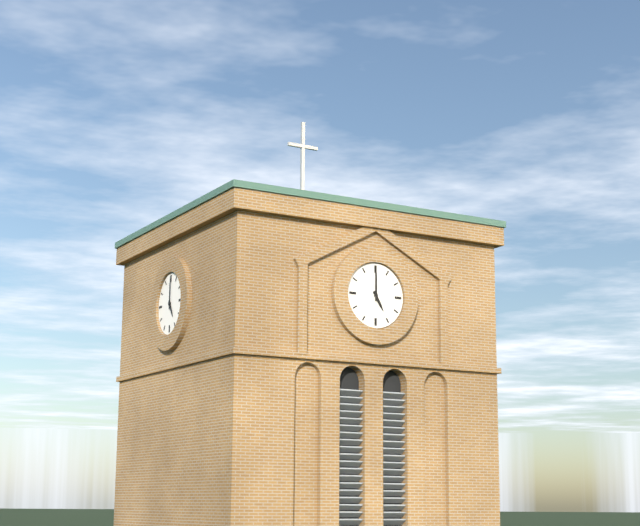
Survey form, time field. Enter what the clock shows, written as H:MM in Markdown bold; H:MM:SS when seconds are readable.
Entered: **5:00**
